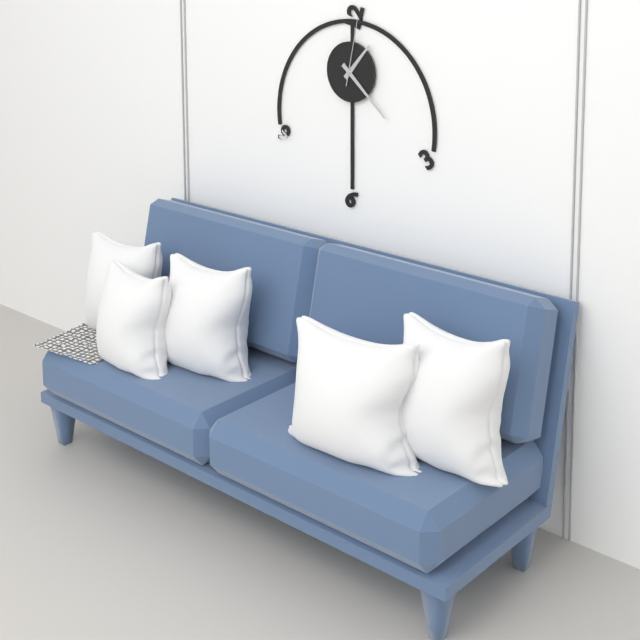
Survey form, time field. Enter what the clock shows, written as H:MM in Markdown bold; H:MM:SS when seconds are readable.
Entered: **1:22:02**
